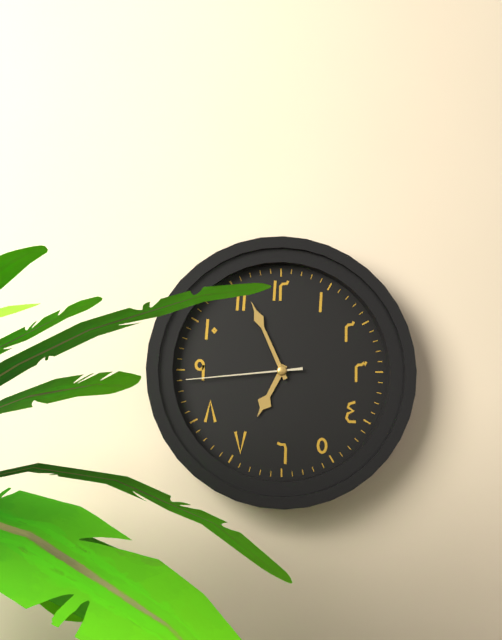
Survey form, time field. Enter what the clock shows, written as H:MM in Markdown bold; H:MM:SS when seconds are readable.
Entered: **6:56:44**
